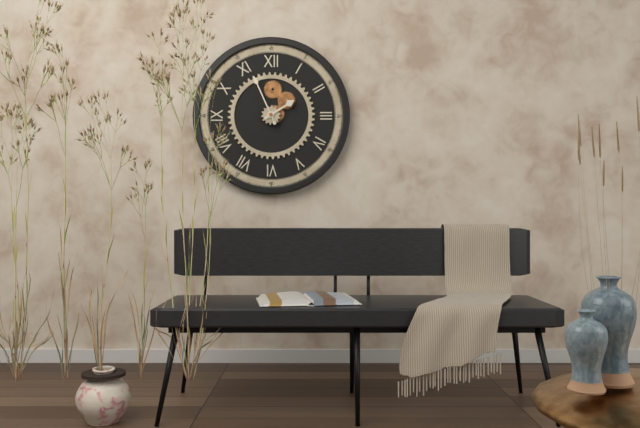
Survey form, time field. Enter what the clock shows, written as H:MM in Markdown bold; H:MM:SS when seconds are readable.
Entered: **1:56**
